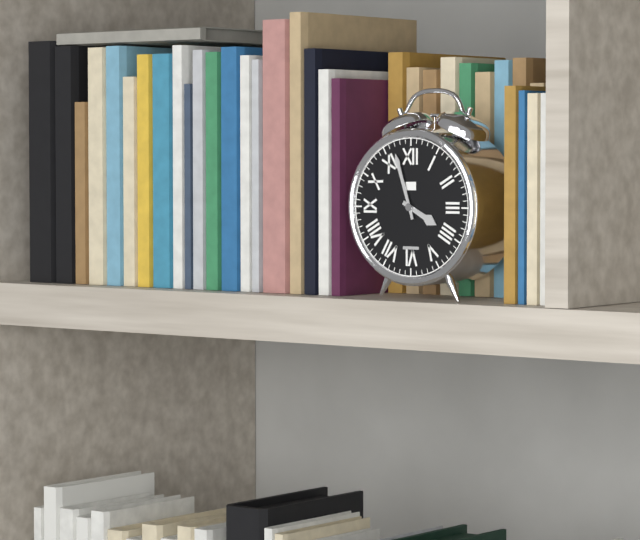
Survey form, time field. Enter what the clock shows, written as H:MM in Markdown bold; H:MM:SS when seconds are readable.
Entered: **3:57**
